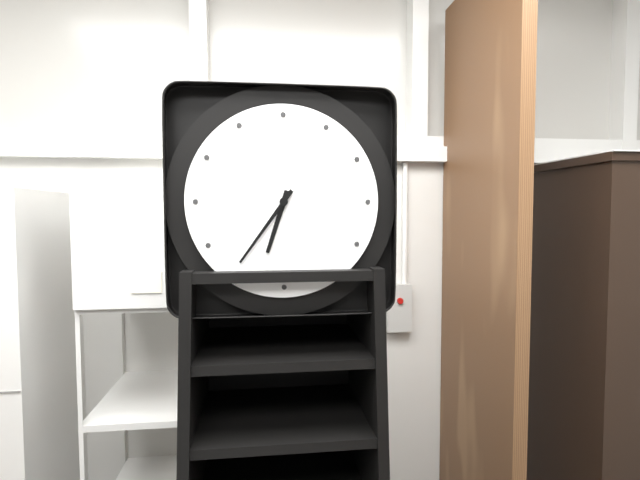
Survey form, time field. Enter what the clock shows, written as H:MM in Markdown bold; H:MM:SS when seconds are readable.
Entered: **6:36**
